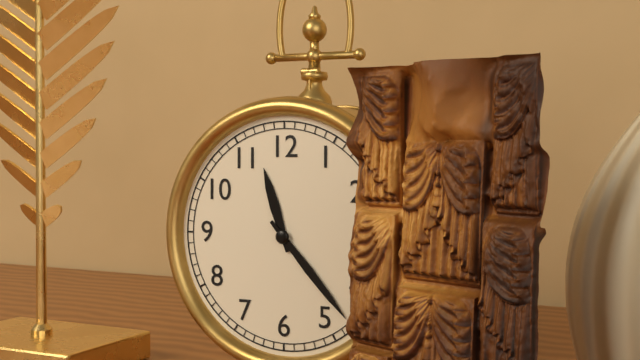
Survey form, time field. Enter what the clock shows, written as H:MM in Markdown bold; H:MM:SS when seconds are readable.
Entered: **11:23**
